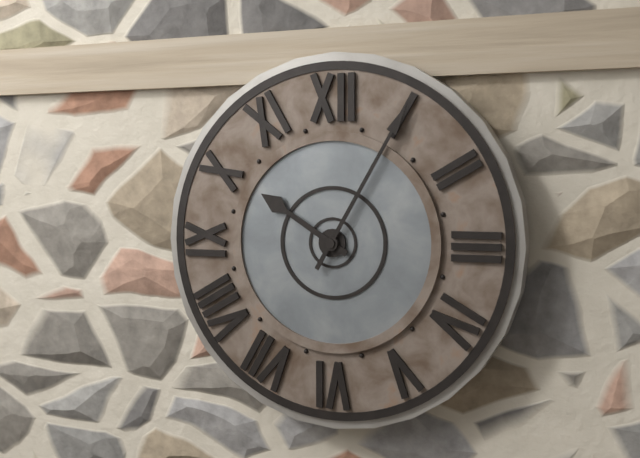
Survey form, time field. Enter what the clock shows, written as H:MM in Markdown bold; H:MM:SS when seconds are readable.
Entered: **10:05**
